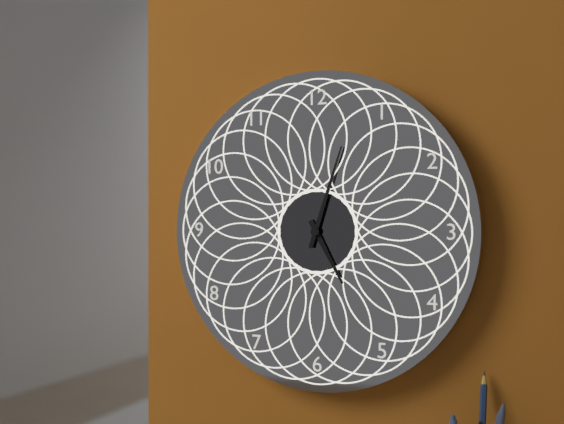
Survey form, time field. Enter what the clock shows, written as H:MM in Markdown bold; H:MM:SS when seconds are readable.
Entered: **5:03**
